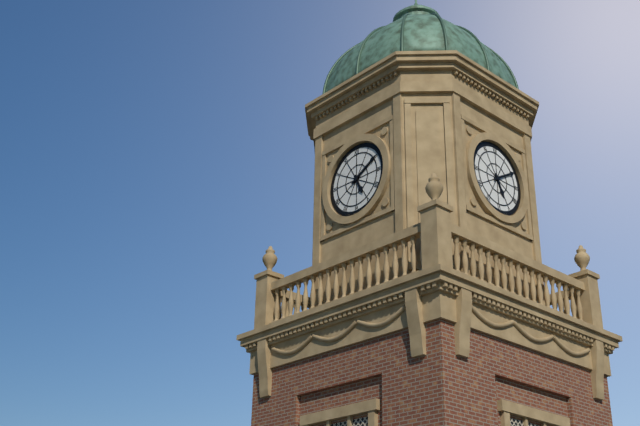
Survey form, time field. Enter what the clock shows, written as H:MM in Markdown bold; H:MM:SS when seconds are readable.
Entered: **5:10**
